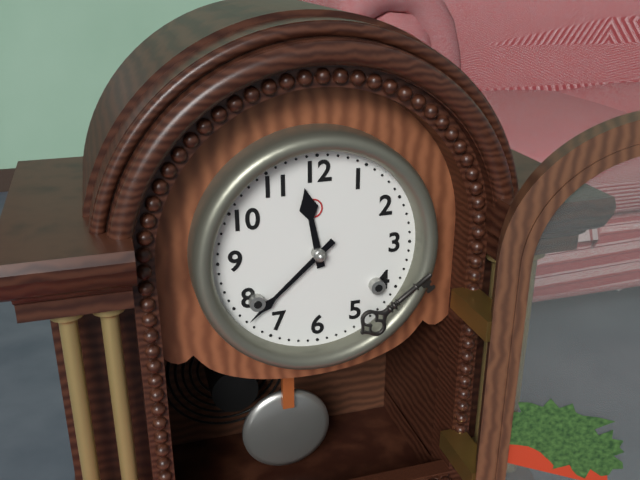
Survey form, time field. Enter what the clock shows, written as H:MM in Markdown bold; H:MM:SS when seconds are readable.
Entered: **11:38**
